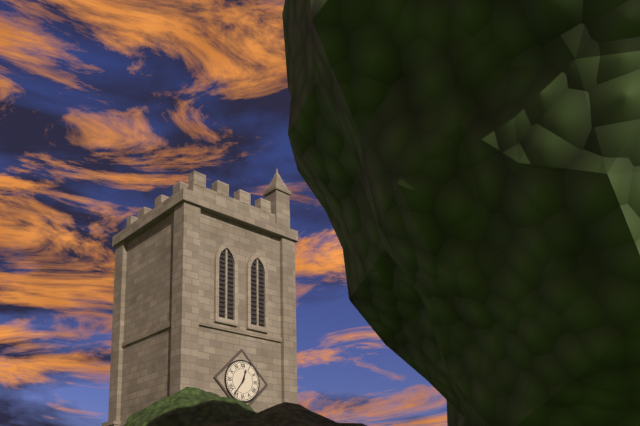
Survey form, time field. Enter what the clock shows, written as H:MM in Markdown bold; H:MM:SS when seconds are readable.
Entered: **12:36**
